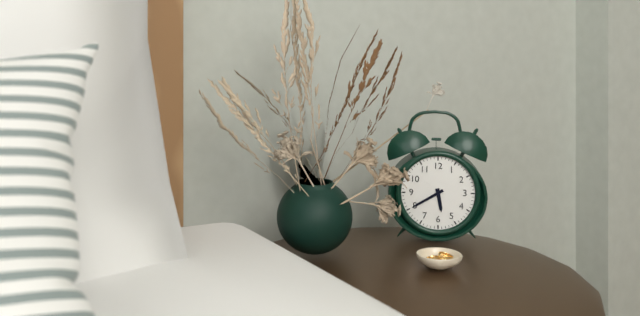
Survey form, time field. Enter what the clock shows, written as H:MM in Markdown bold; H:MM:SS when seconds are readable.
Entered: **5:40**
